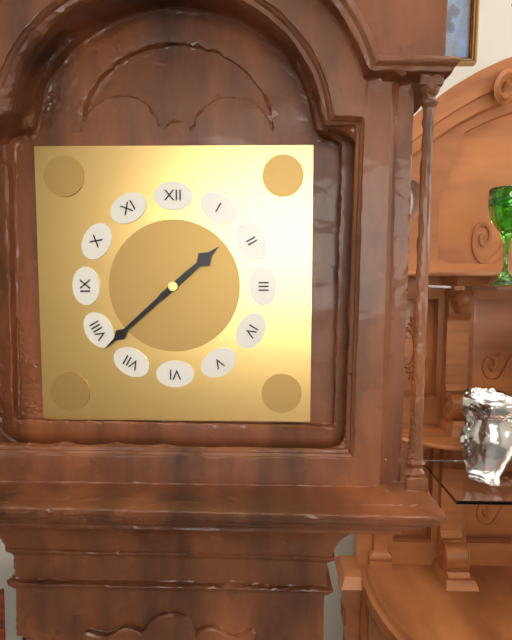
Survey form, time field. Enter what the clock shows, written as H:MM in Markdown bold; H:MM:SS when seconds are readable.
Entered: **1:38**
